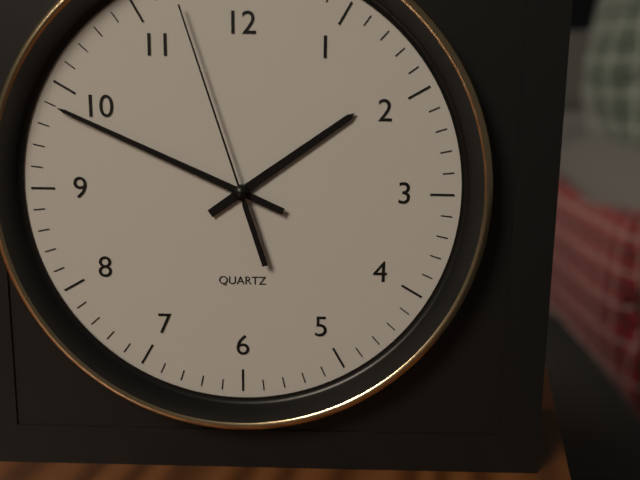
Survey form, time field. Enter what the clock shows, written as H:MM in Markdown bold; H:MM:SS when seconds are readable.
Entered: **1:49:57**
